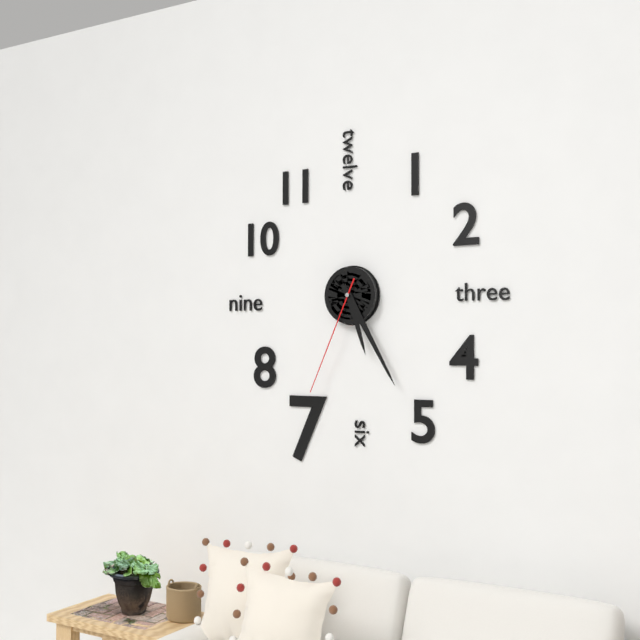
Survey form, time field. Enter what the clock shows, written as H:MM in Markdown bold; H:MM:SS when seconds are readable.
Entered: **5:25:34**
